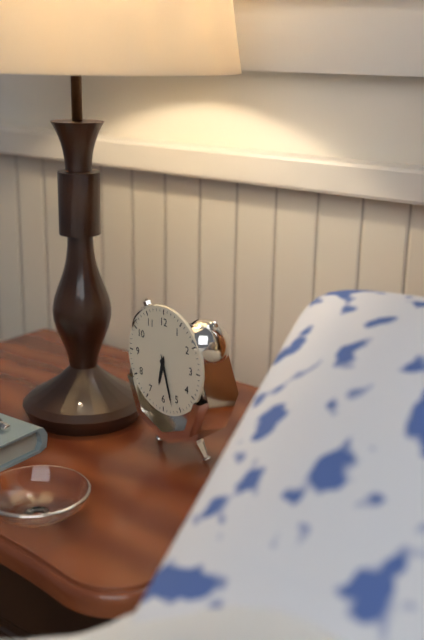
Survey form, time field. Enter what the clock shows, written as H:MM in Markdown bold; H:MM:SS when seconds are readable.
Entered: **6:27**
